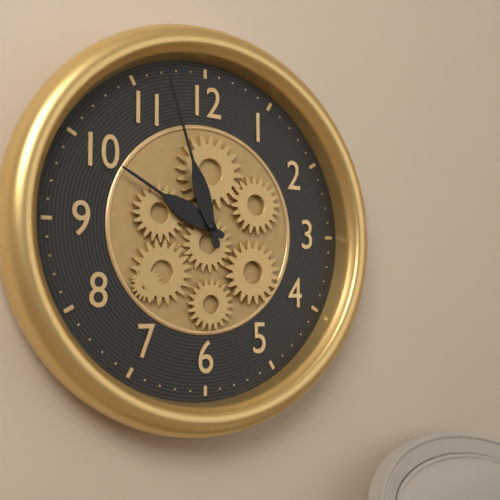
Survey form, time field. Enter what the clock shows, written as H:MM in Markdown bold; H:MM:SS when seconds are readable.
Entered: **9:57**
